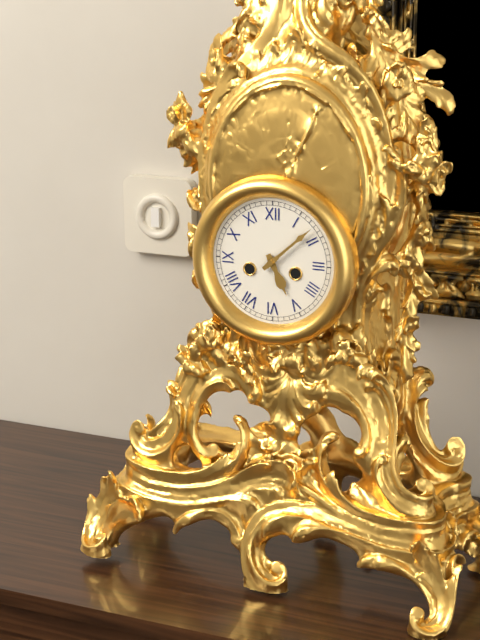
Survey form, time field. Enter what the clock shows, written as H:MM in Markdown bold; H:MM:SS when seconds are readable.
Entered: **5:08**
